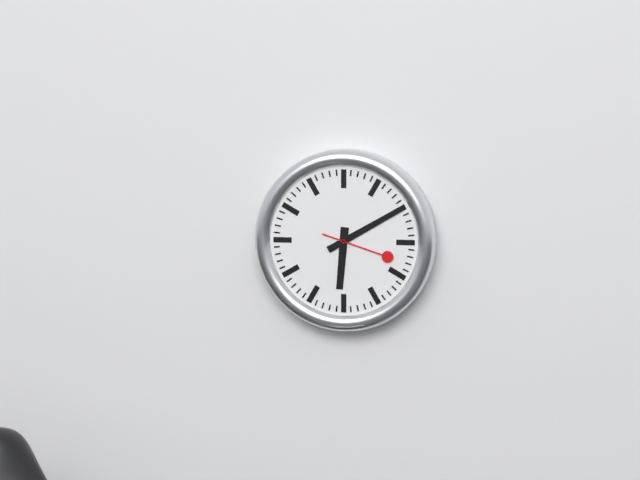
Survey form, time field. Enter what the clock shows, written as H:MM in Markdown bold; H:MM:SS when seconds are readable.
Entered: **6:10:18**
